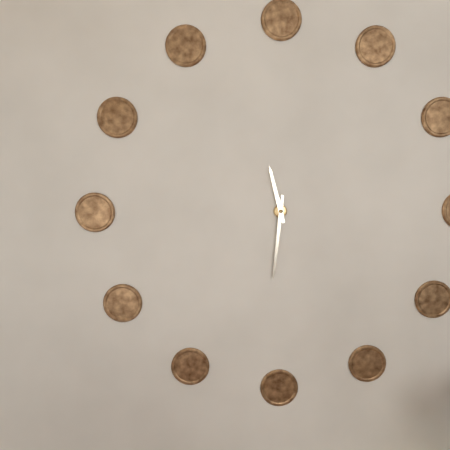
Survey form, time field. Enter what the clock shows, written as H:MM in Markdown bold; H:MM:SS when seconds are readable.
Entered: **11:31**
